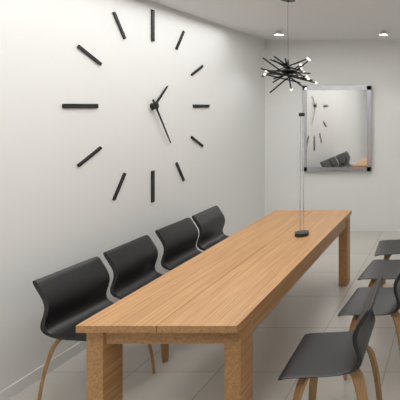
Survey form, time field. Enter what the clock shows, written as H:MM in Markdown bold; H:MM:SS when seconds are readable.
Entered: **1:25**
